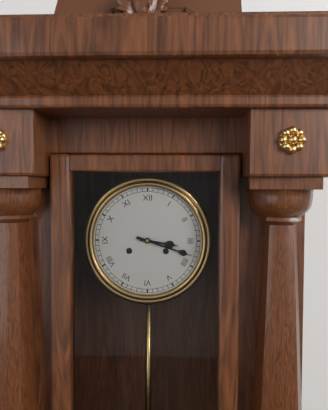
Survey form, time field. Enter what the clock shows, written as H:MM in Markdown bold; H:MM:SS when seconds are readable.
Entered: **3:18**
